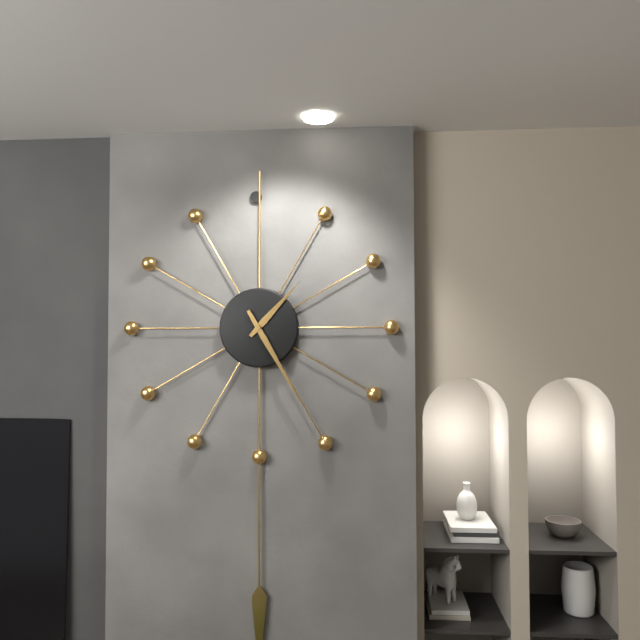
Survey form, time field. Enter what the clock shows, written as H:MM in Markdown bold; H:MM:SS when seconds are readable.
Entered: **1:25**
